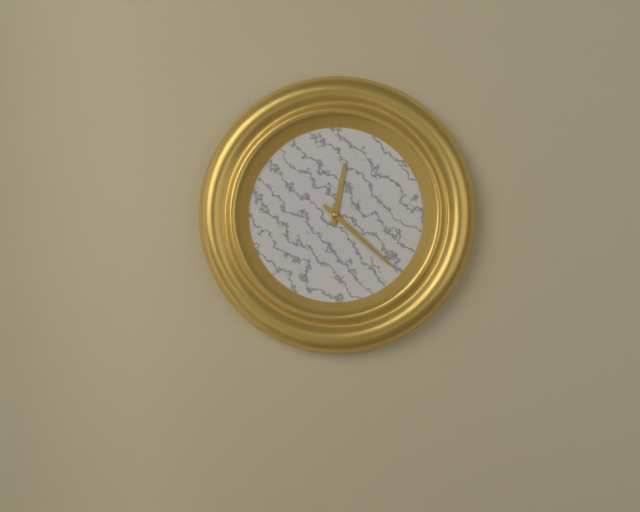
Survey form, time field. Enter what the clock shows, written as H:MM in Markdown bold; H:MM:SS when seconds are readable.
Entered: **12:22**
